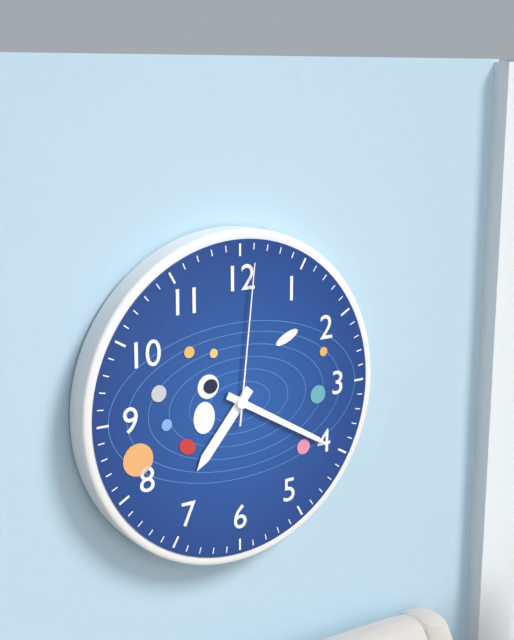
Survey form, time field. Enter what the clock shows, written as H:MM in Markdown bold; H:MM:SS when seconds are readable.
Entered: **7:20:01**
